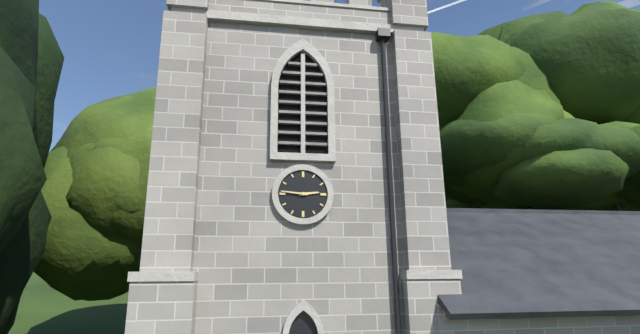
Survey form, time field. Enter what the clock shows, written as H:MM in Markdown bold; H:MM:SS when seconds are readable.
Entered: **2:46**
